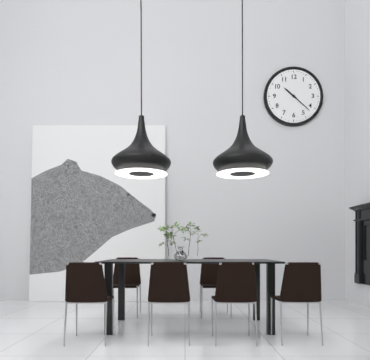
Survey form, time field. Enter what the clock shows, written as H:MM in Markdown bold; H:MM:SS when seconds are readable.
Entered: **10:22**
